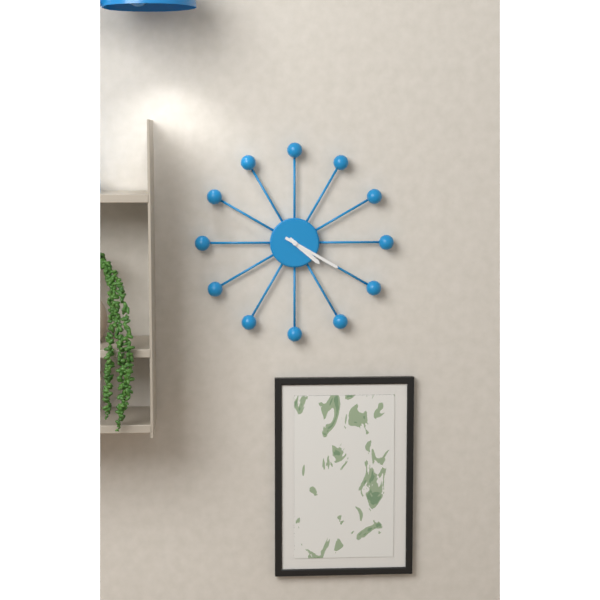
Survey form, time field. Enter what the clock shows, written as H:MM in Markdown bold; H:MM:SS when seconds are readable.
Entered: **4:20**
